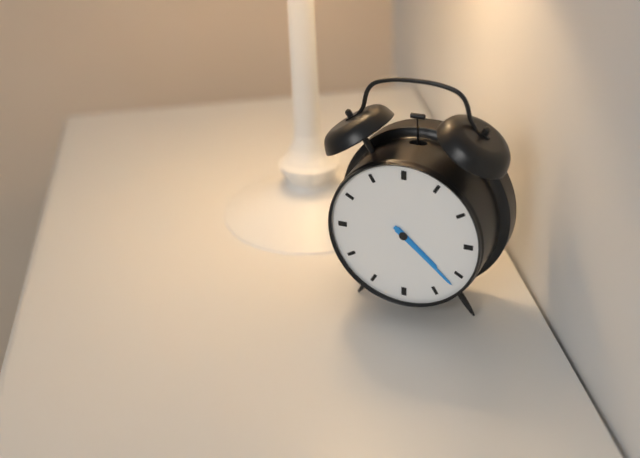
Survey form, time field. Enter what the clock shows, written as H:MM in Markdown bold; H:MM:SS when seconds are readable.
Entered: **4:22**
